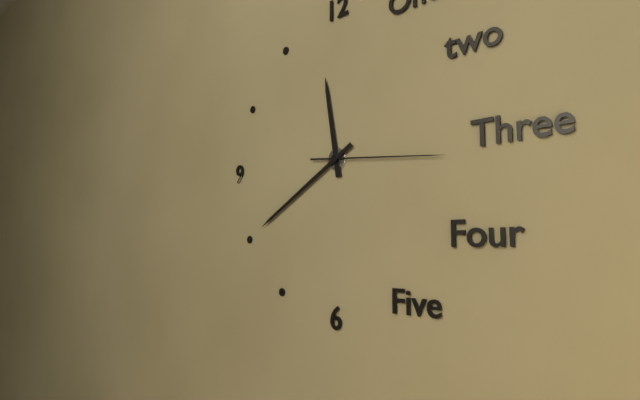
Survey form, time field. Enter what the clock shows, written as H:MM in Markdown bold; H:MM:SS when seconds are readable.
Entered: **11:40:16**
